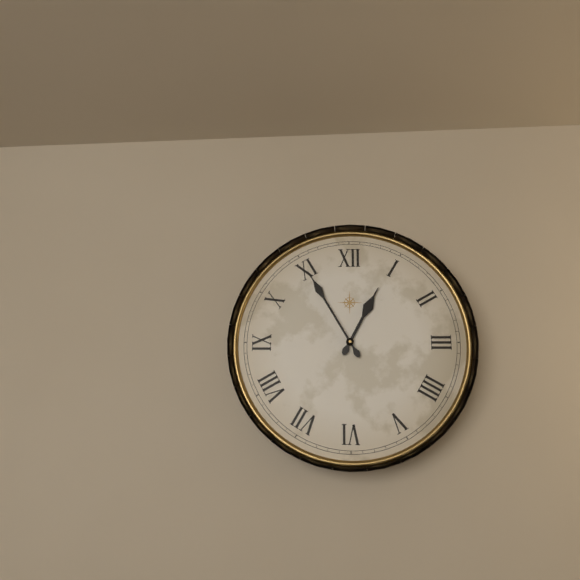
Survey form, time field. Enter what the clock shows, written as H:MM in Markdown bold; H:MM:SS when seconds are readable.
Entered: **12:55**
